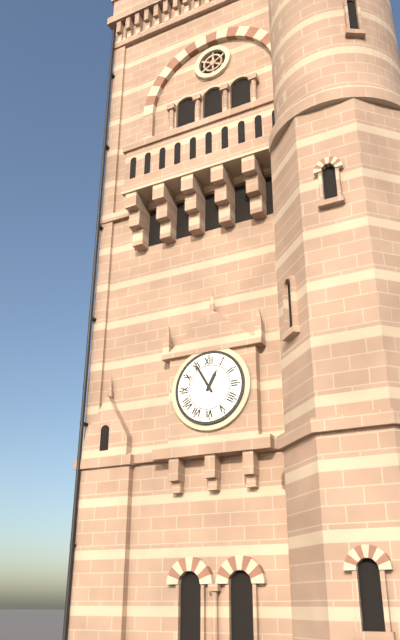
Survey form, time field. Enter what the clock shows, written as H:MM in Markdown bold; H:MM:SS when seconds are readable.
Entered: **12:55**
